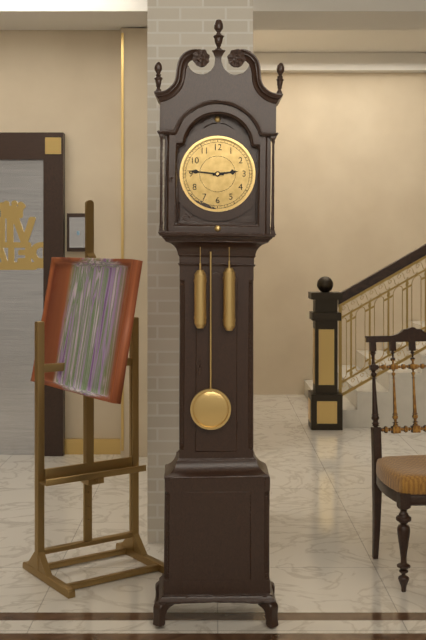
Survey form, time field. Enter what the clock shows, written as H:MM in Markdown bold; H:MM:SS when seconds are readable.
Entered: **2:46**
